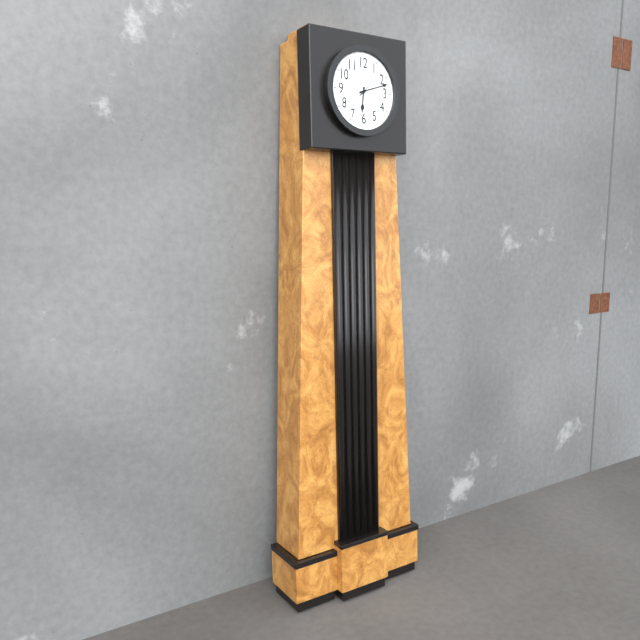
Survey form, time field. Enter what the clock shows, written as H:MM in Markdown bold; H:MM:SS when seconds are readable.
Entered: **6:12**
